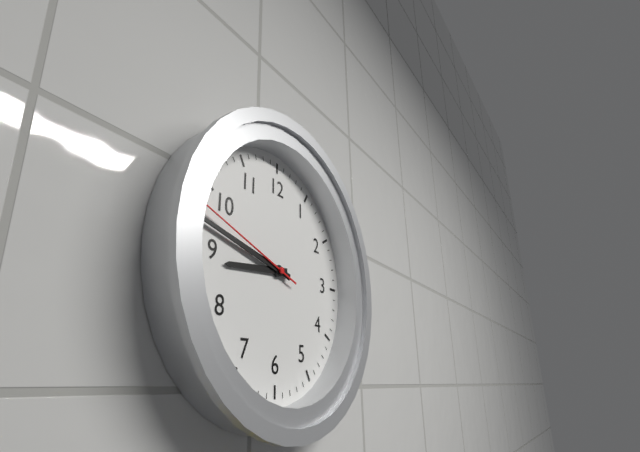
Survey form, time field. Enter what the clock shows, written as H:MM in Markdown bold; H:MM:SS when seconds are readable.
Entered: **8:47:48**
